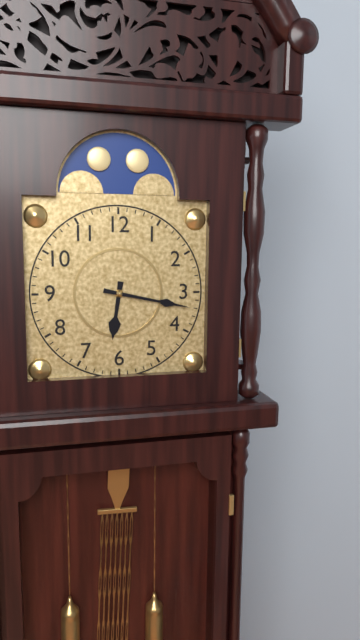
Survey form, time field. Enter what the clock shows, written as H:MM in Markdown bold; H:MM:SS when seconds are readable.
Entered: **6:17**
